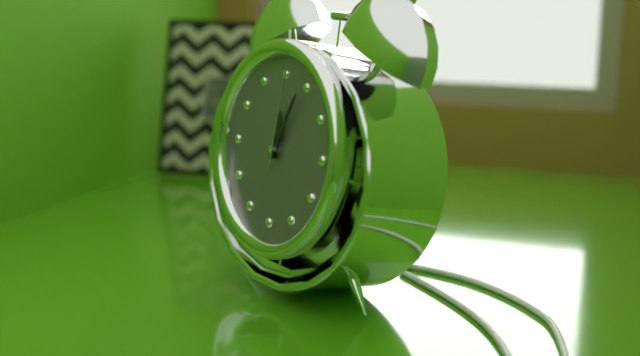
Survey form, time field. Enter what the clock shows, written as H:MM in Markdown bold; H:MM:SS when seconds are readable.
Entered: **12:04:01**
